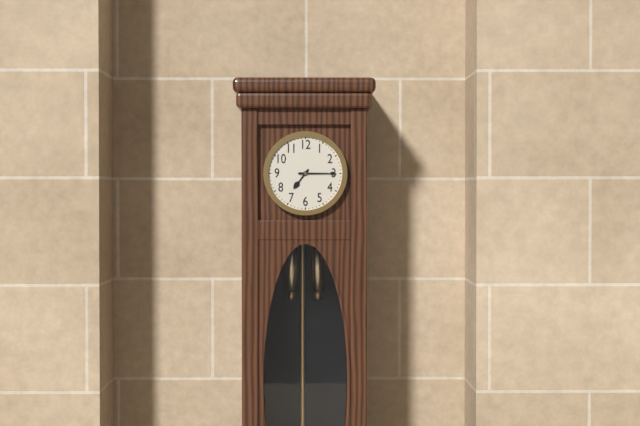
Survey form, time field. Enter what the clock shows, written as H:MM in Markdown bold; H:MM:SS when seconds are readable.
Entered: **7:15**
